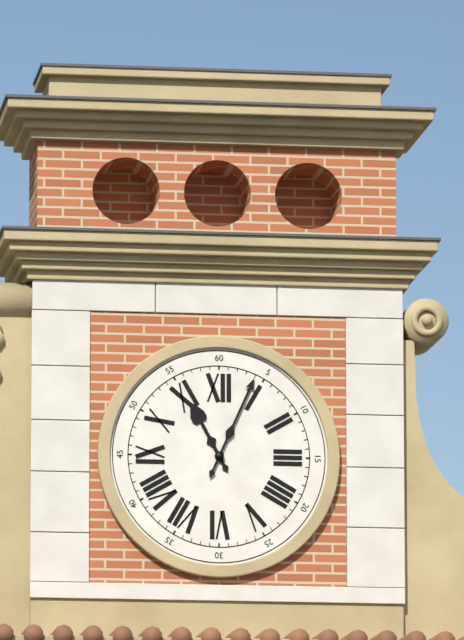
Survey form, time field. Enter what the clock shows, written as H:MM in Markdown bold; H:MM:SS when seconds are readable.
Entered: **11:04**
